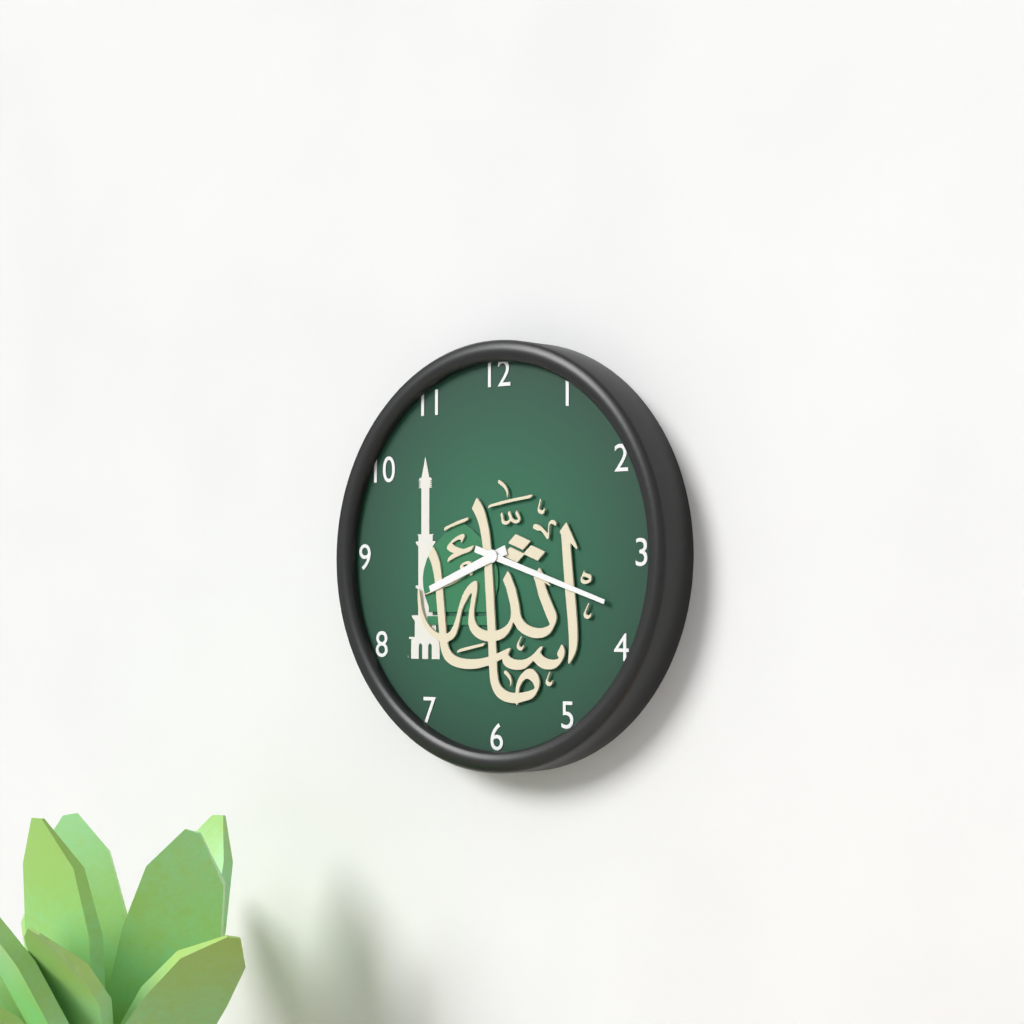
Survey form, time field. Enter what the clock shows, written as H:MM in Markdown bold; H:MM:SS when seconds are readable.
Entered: **8:18**
